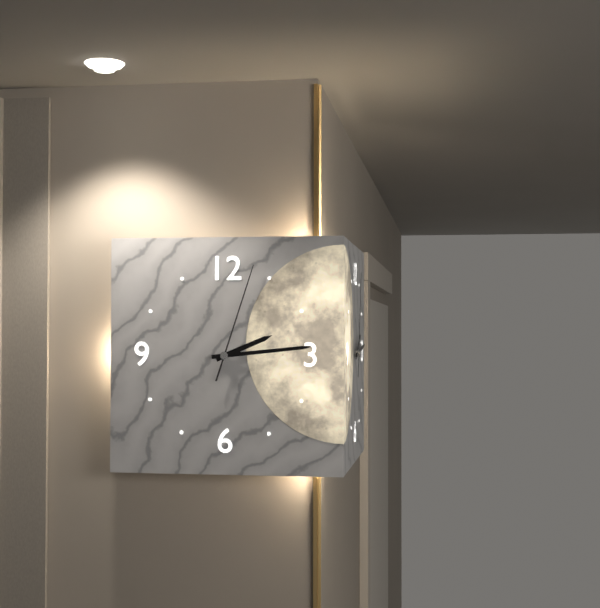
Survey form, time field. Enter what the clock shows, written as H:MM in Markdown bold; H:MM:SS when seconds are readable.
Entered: **2:14:03**
